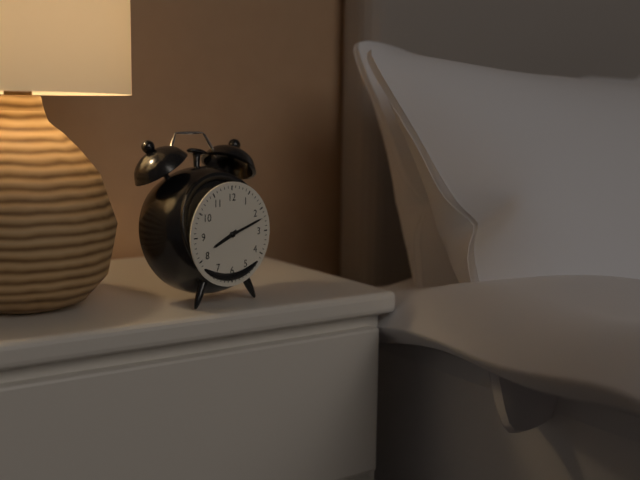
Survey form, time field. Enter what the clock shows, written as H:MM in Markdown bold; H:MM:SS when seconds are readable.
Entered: **8:12**
